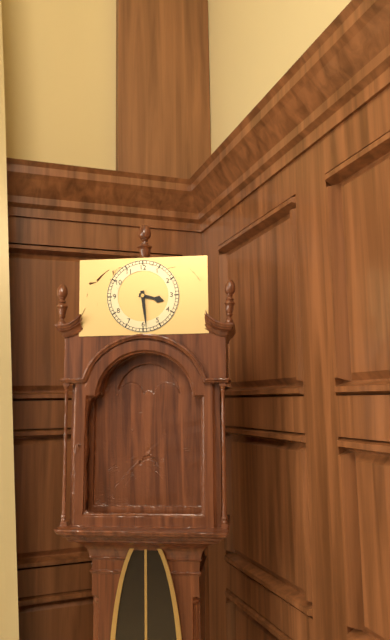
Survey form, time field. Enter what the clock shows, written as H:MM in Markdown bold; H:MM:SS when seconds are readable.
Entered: **3:29**
